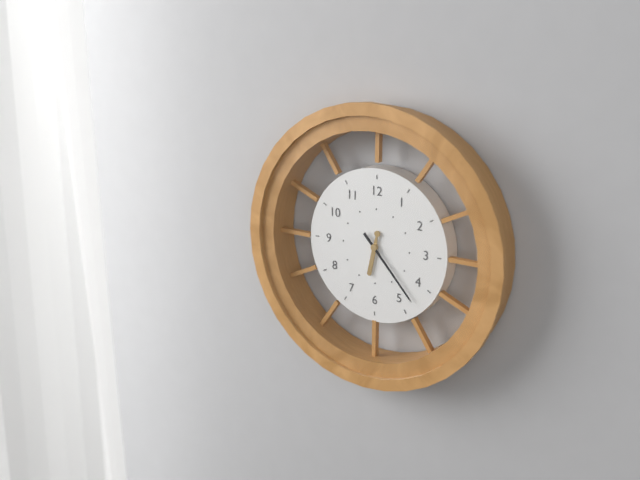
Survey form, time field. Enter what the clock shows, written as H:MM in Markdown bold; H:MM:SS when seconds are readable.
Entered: **6:23**
